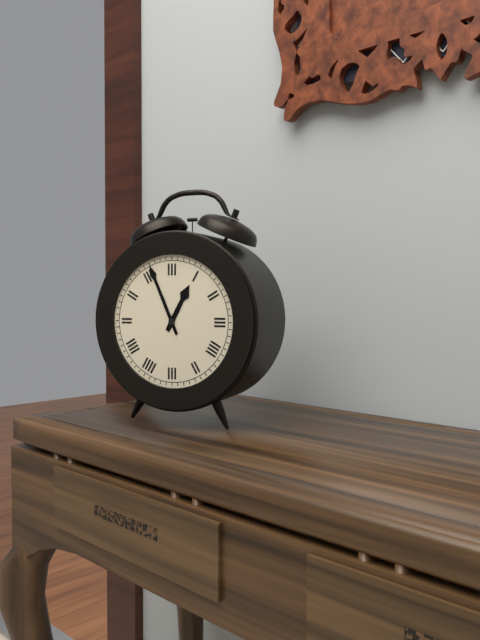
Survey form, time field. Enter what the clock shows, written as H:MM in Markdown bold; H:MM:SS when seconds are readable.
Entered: **12:56**
